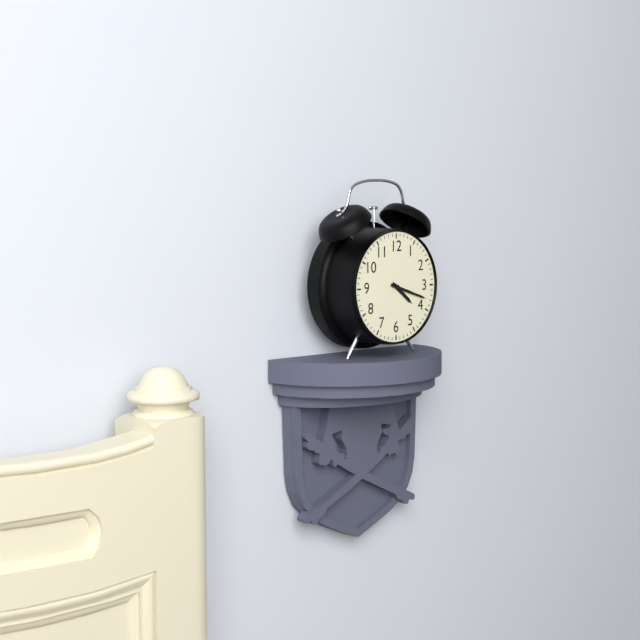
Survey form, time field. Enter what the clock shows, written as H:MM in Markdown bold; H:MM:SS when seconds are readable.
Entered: **4:18**
